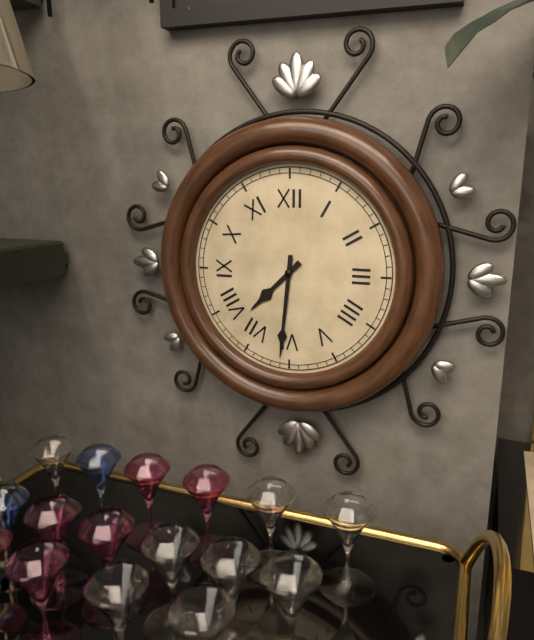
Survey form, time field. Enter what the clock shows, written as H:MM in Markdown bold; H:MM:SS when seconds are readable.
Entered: **7:31**
